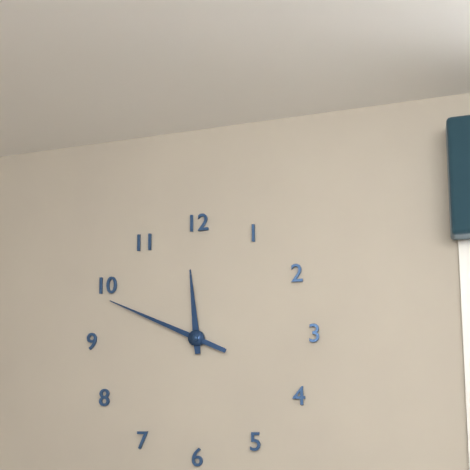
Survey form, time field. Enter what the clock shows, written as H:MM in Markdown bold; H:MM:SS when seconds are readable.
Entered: **11:49**
